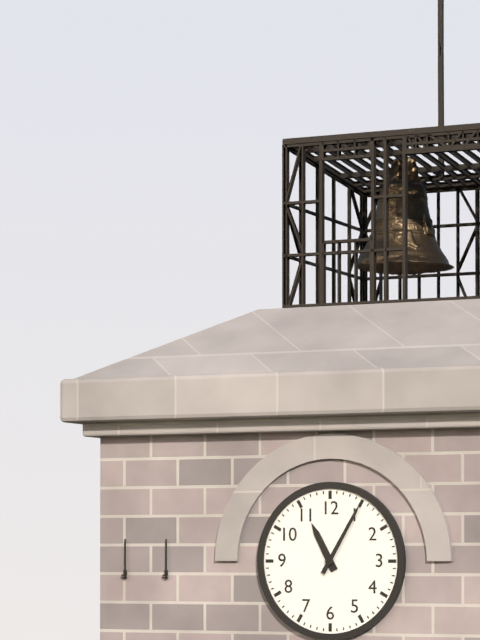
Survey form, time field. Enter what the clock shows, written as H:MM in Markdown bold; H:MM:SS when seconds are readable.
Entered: **11:05**
